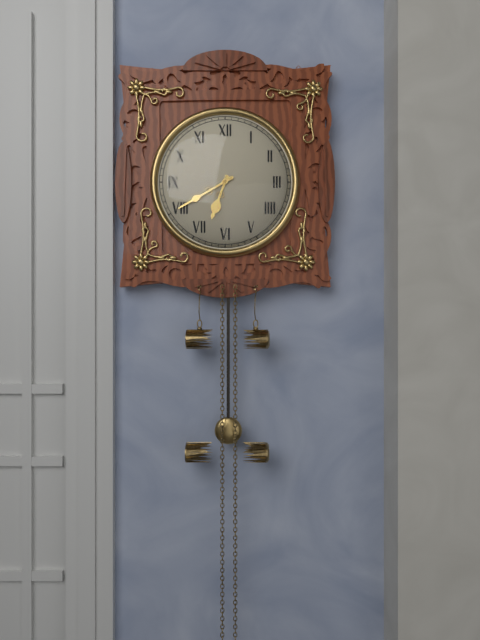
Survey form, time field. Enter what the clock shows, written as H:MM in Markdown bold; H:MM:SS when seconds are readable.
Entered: **6:40**
